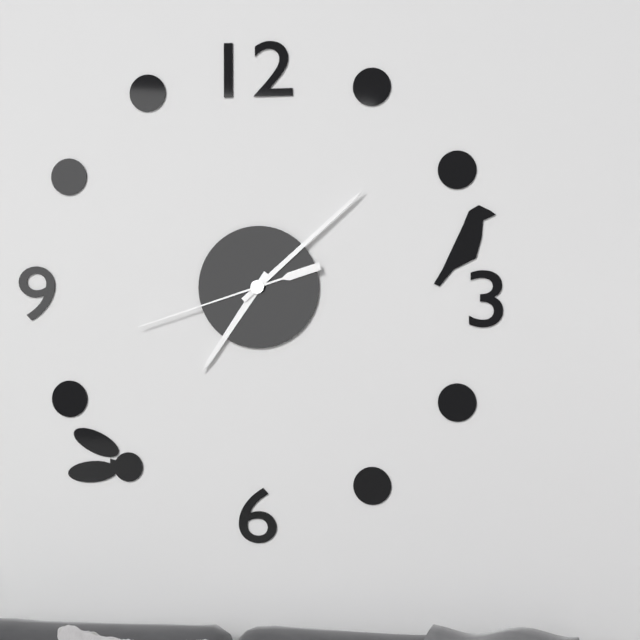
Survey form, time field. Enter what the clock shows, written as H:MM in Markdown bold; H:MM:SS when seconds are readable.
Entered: **7:08:42**
